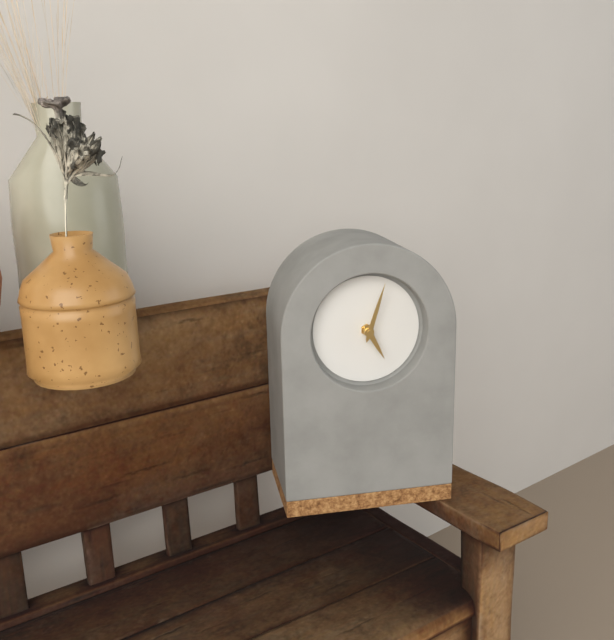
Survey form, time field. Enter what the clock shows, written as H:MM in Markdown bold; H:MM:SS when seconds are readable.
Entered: **5:03**
